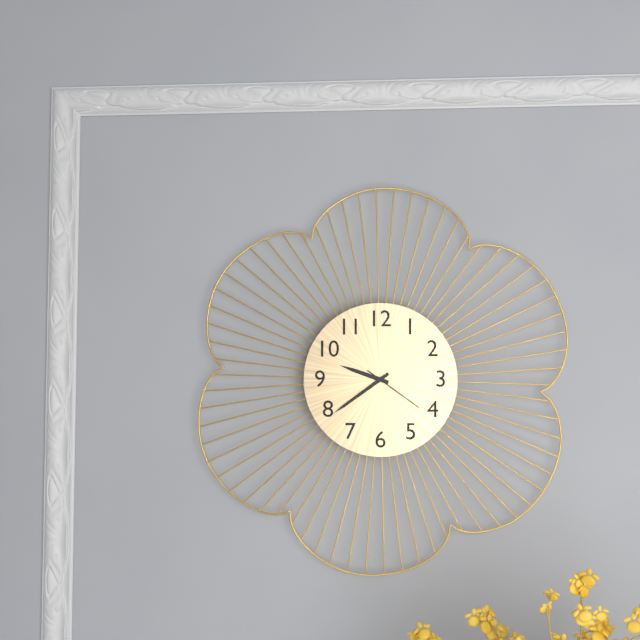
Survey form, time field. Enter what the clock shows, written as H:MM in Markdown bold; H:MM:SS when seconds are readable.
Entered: **9:39:21**
